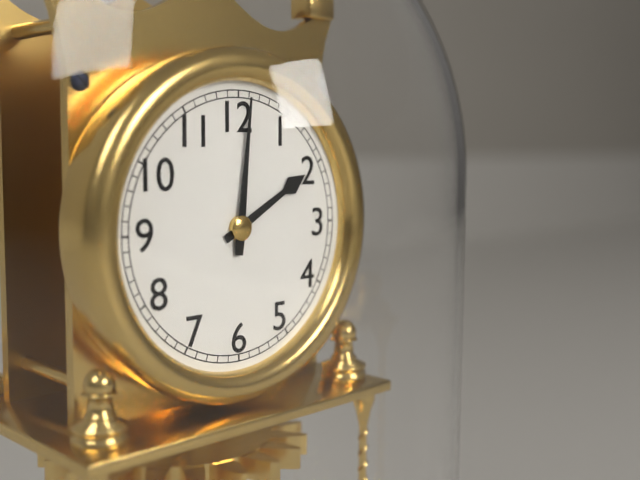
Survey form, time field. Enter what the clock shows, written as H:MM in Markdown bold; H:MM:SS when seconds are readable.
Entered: **2:01**
